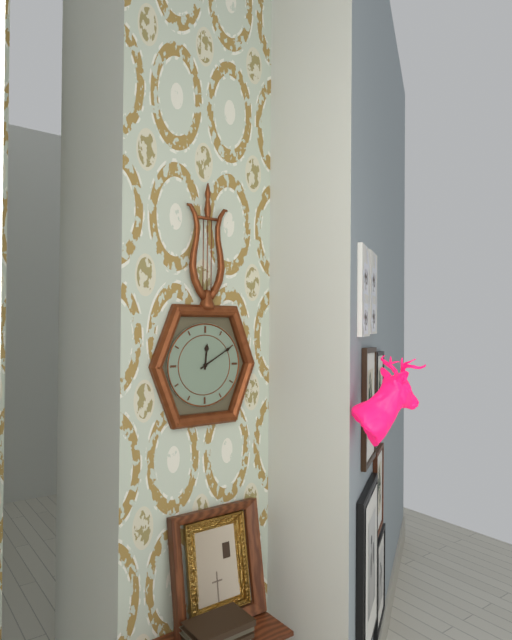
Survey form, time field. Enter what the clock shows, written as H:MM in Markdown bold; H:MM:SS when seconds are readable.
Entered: **12:10**
